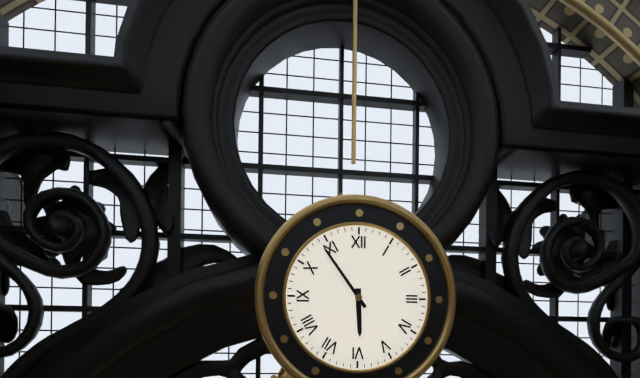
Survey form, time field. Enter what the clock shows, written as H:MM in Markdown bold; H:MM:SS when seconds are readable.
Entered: **5:54**
